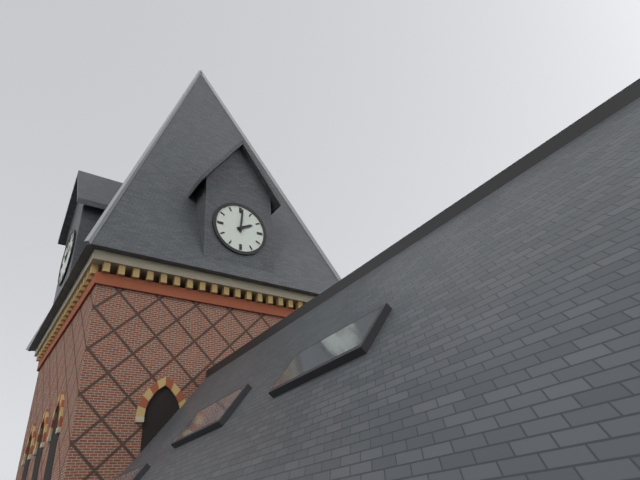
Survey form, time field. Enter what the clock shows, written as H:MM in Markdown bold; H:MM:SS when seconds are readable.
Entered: **2:01**
